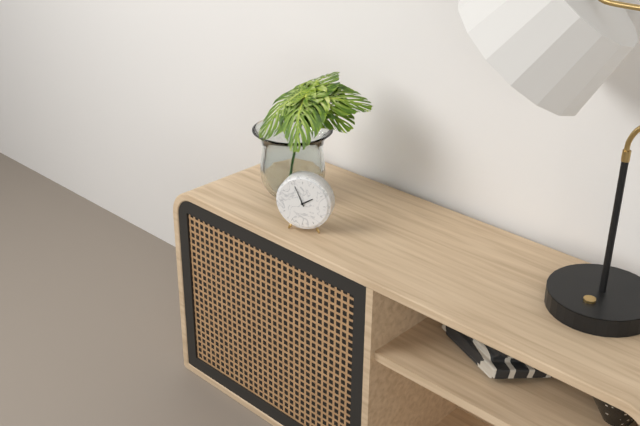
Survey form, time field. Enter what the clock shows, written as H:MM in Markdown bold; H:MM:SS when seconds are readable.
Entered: **1:56**
